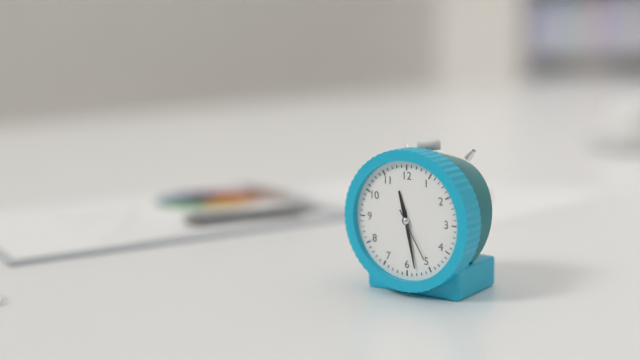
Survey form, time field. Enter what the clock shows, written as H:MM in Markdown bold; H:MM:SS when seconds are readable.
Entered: **11:28:25**
